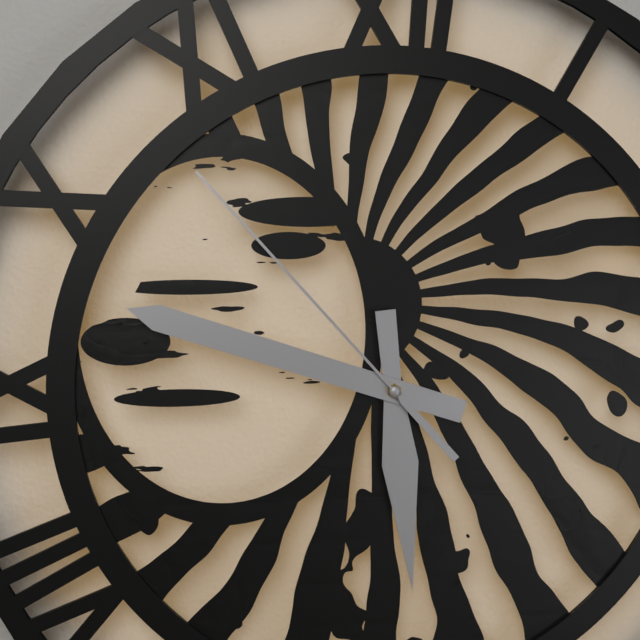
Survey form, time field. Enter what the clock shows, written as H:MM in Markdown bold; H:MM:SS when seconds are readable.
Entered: **5:48:53**
